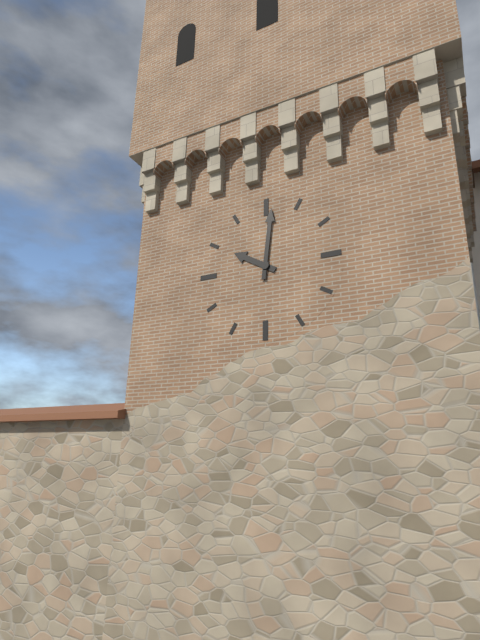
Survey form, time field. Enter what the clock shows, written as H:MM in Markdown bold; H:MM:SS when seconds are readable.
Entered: **10:01**
